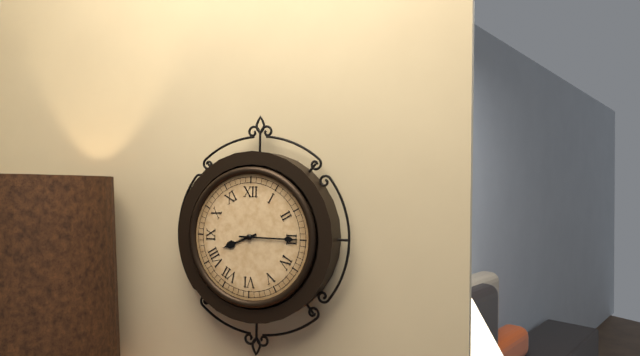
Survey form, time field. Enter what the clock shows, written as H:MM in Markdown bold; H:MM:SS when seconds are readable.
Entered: **8:15**
